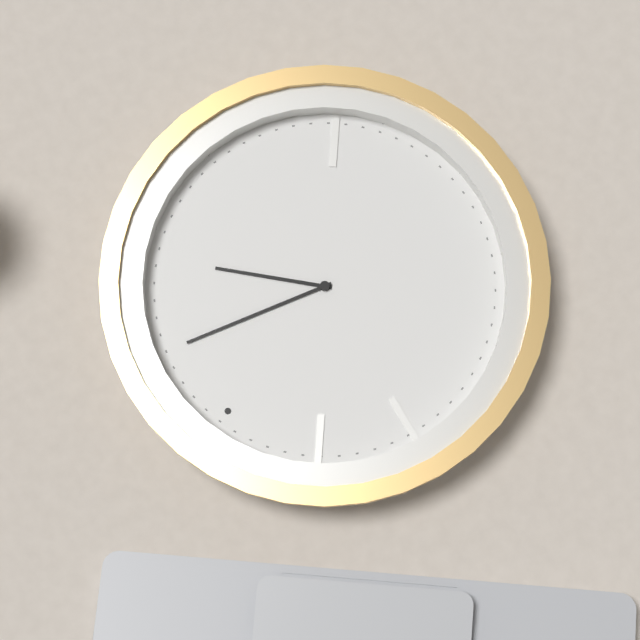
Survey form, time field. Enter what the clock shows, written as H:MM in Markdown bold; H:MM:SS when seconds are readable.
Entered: **2:05**
